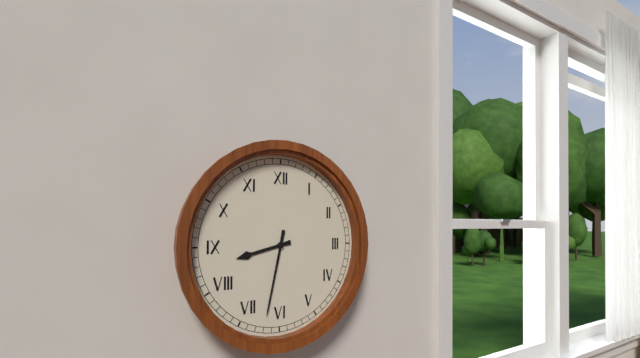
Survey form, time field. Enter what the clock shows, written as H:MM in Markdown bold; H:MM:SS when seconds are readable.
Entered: **8:32**
